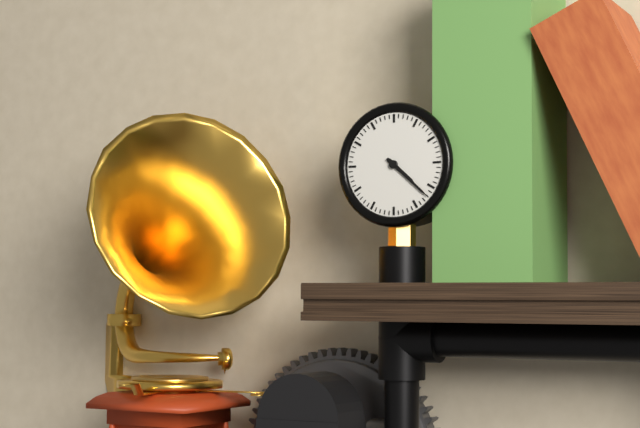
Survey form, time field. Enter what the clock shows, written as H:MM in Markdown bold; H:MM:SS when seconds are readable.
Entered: **4:22**
